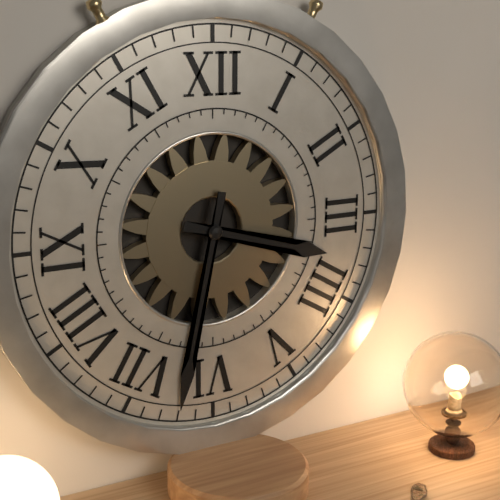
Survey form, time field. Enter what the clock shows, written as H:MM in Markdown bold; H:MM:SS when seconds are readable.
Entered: **3:32**
